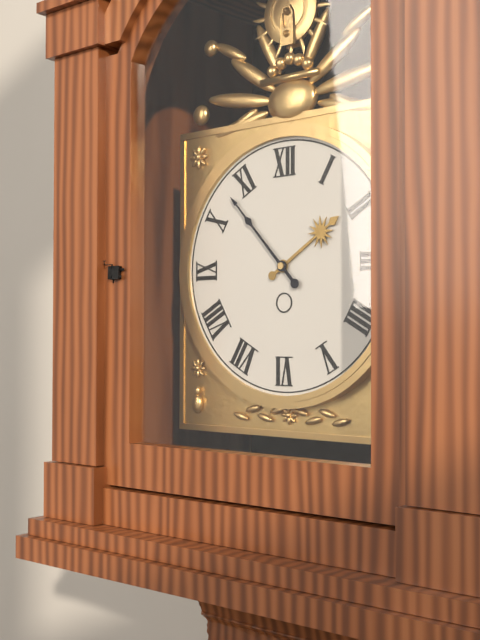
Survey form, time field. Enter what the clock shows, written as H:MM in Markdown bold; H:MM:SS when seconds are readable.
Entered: **1:53**
